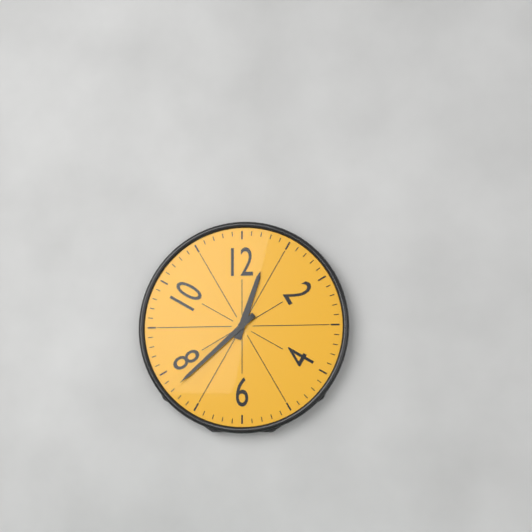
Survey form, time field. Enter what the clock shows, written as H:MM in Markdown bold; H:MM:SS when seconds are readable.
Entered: **12:38**
